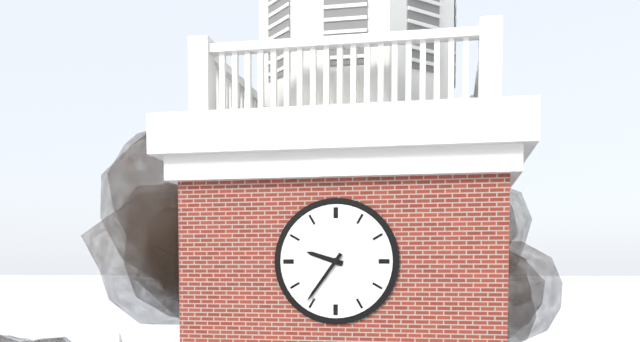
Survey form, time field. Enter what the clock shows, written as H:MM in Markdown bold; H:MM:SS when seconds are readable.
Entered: **9:36**
